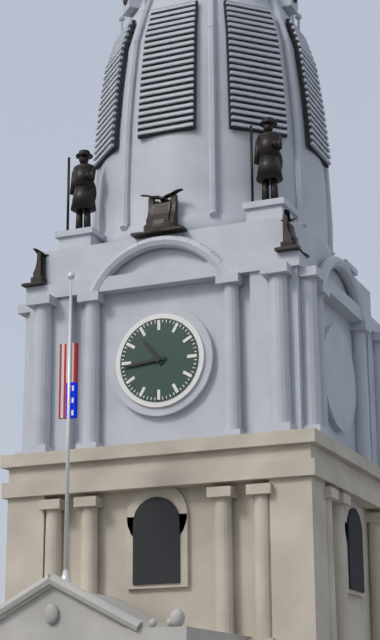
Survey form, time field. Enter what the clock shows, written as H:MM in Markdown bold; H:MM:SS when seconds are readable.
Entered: **10:44**
